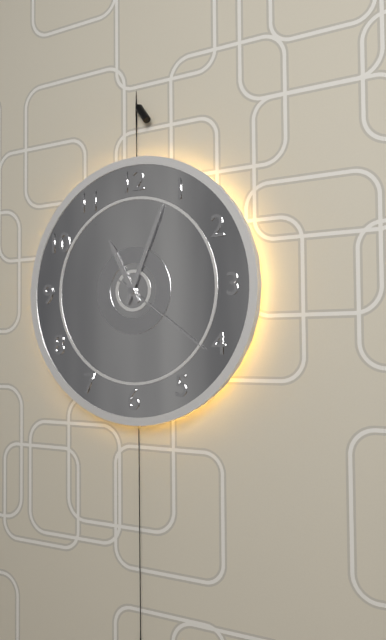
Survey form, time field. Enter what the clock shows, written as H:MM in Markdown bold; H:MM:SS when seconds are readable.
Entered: **11:04:21**
